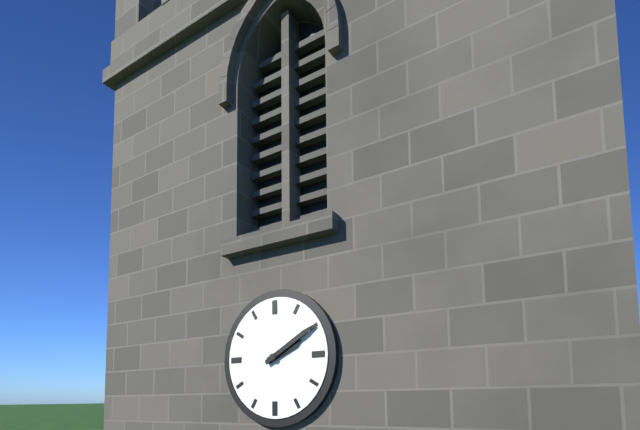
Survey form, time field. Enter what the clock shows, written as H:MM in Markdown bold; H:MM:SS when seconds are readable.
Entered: **2:10**
